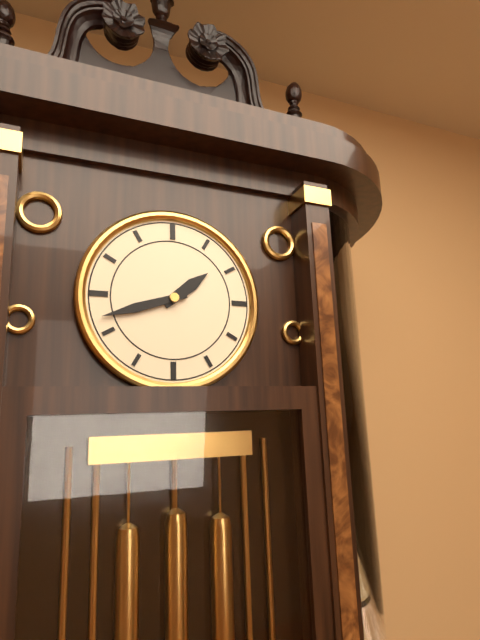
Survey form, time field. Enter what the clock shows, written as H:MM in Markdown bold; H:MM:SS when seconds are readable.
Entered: **1:42**
